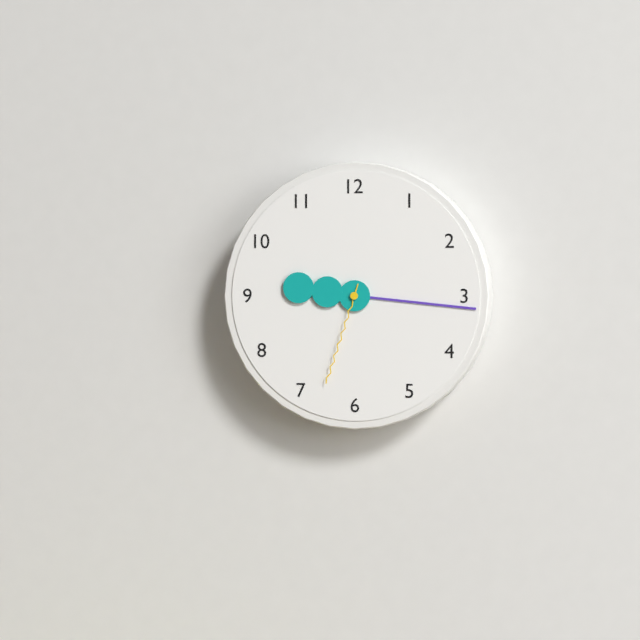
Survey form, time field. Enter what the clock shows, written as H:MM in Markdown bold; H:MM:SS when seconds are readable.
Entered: **9:16:33**
